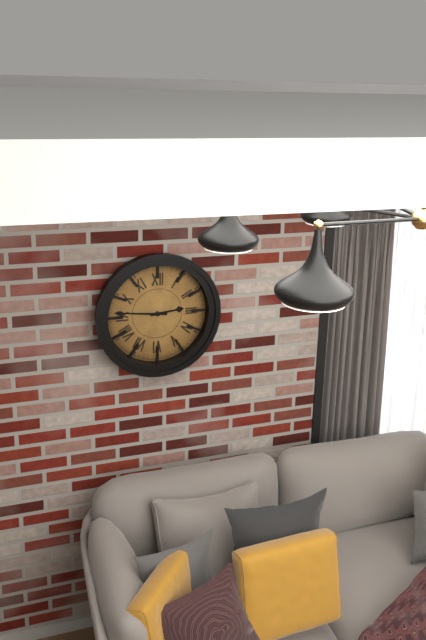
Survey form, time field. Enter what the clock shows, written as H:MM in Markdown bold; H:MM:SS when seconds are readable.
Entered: **2:46**
